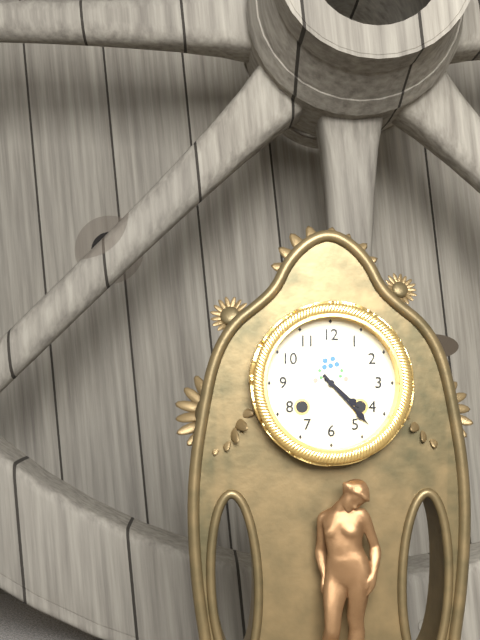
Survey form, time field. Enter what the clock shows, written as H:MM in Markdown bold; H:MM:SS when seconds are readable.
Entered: **4:23**
